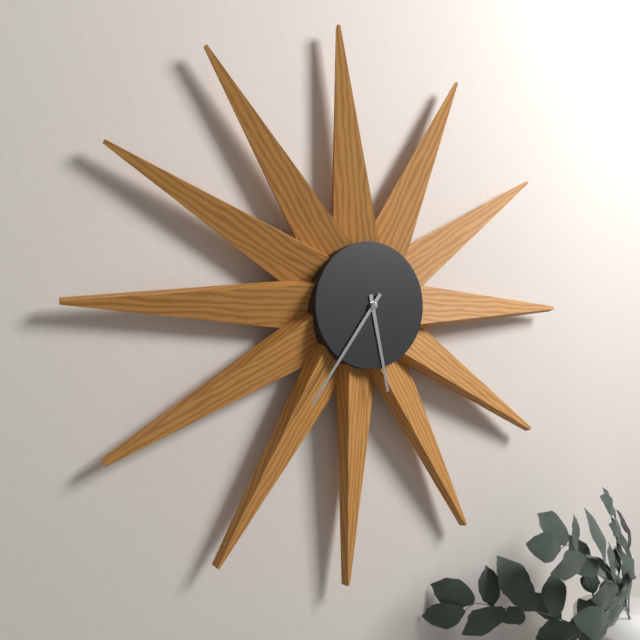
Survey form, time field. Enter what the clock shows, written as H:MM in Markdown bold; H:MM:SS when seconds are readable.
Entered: **5:36**
